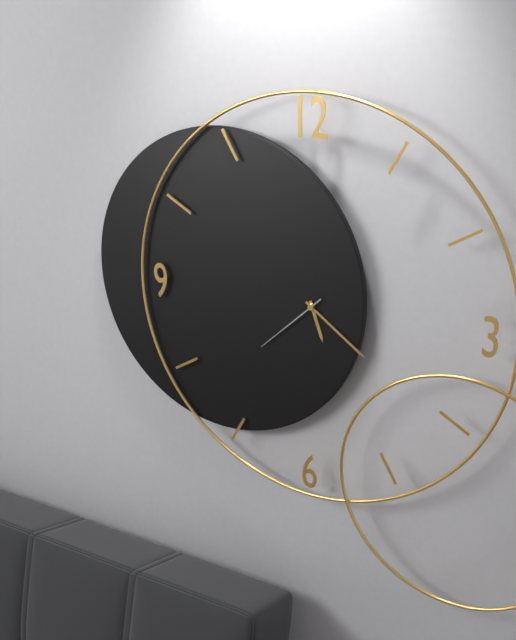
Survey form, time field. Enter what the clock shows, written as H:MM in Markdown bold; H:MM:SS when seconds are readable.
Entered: **5:21:38**
